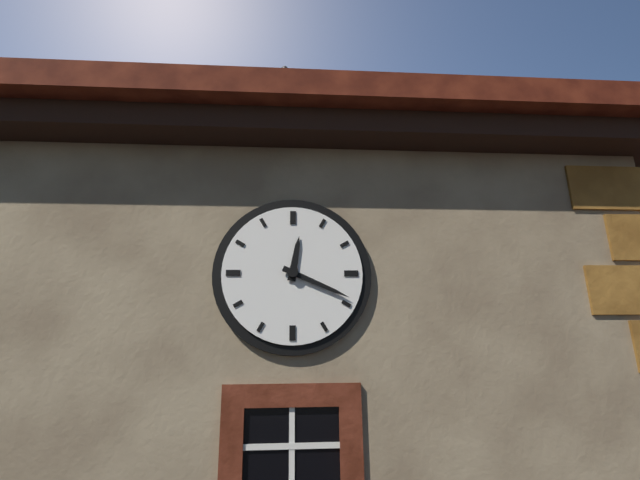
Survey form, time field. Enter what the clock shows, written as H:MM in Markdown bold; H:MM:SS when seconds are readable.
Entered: **12:19**
